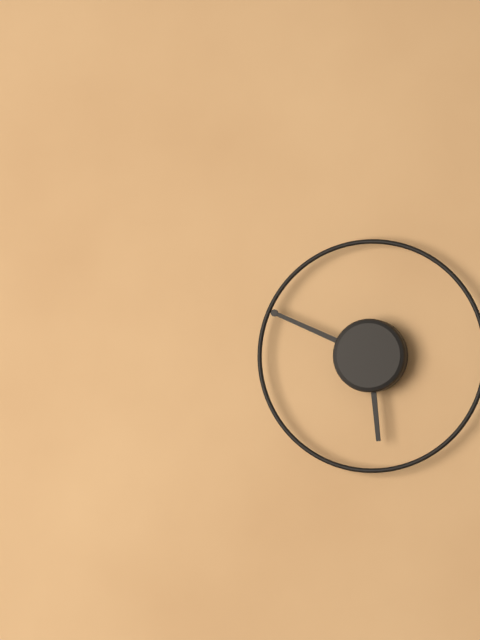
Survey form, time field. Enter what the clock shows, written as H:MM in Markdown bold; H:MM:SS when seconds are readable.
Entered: **5:49**
